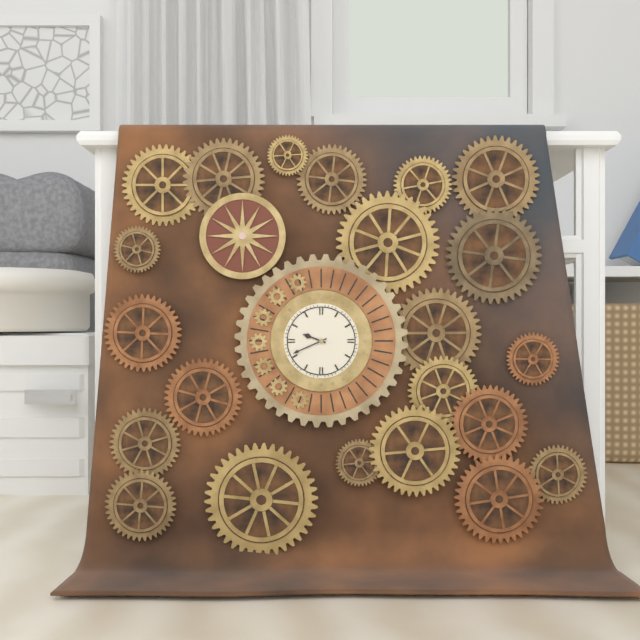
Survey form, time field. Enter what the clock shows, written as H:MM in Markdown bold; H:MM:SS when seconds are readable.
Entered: **9:41**
